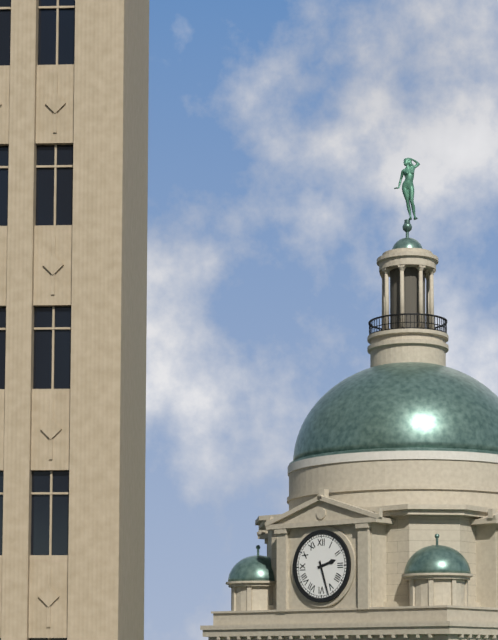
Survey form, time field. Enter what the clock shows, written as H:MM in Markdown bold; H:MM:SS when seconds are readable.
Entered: **2:27**
